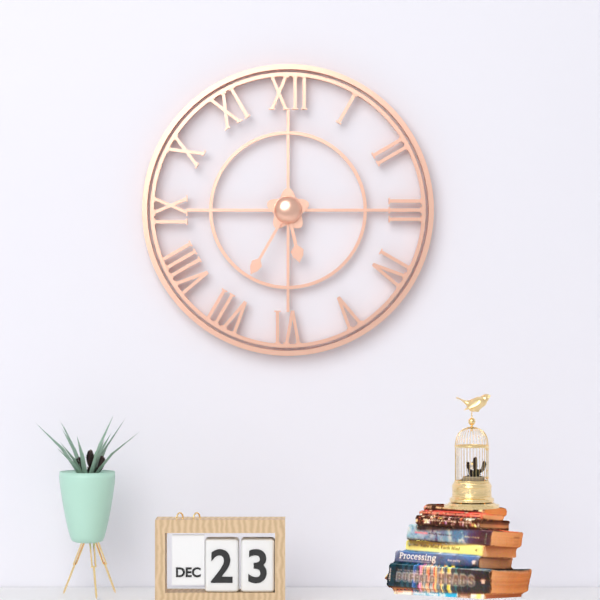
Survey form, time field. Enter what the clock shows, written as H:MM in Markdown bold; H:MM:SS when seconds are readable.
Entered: **5:35**
